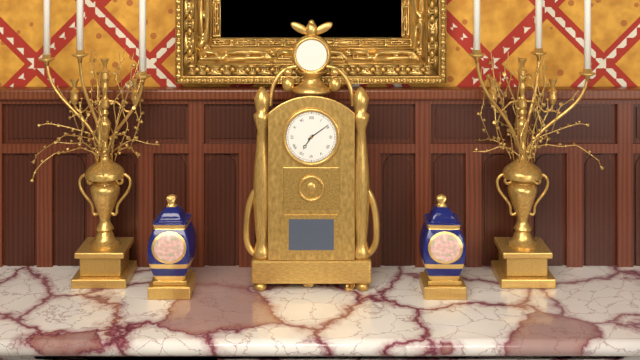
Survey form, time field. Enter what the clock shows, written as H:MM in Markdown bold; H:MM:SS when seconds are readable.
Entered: **7:09**
